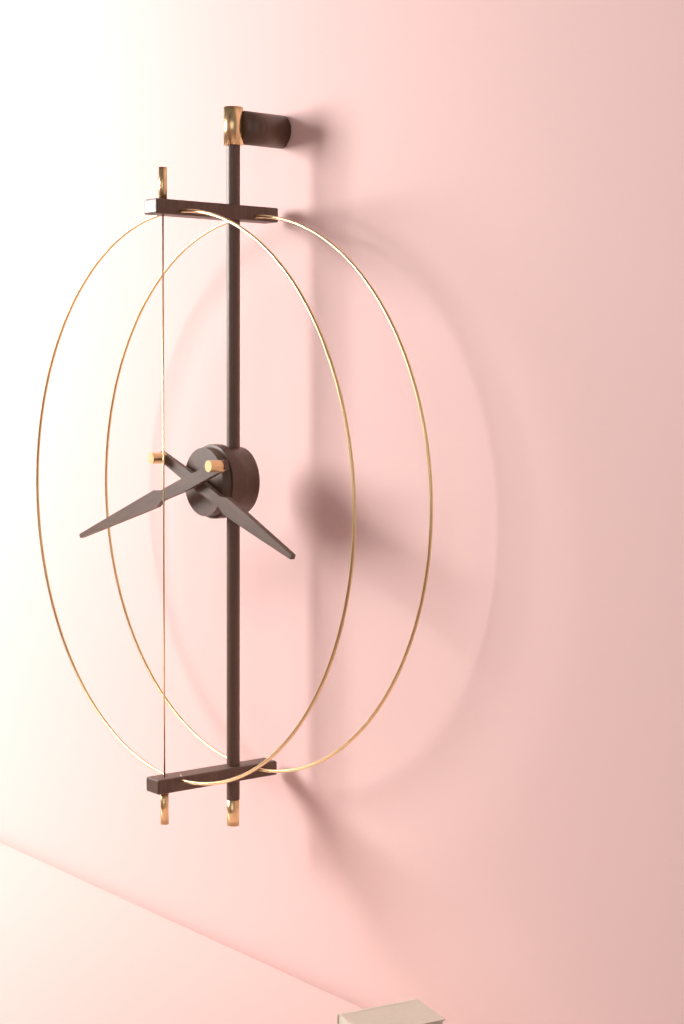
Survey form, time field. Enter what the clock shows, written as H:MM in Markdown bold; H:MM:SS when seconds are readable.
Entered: **3:42**
